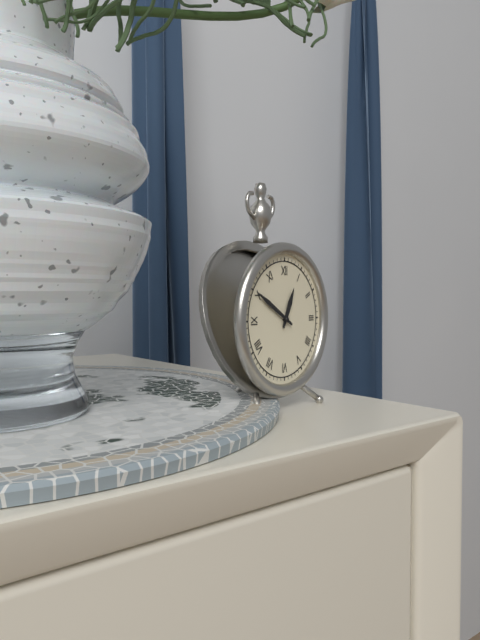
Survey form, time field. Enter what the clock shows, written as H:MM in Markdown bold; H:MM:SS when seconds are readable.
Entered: **12:50**
